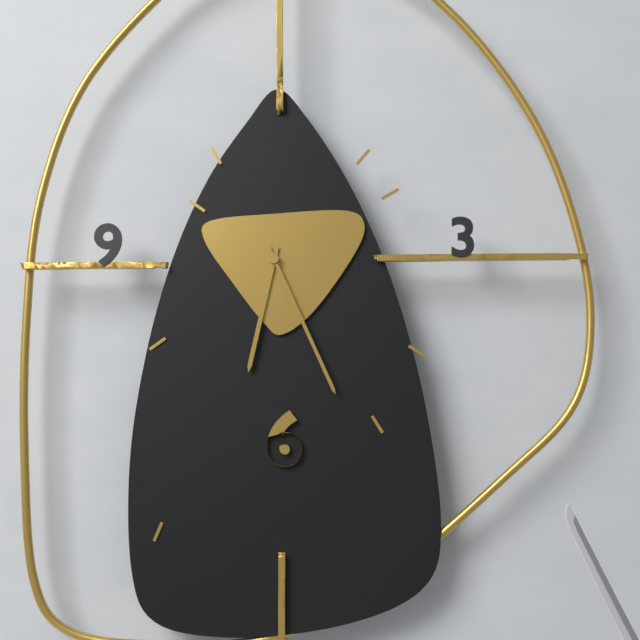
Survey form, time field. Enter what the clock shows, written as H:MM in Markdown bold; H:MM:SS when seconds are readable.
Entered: **6:26**
